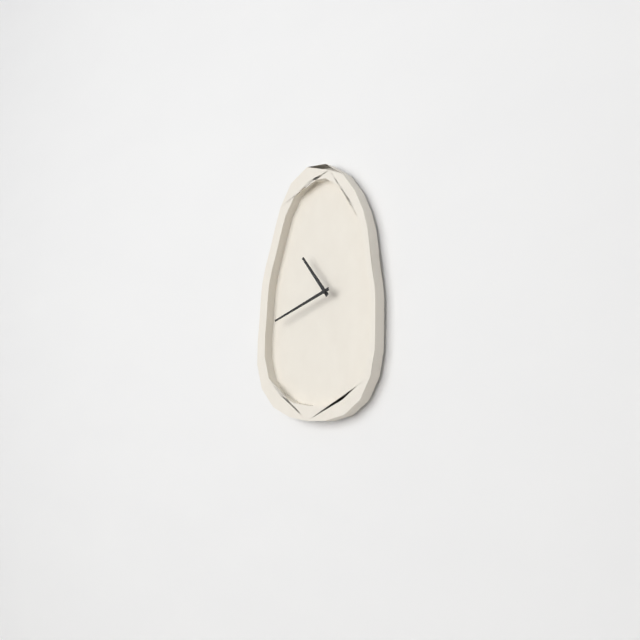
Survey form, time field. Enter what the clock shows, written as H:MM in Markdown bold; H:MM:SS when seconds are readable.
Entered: **10:42**
